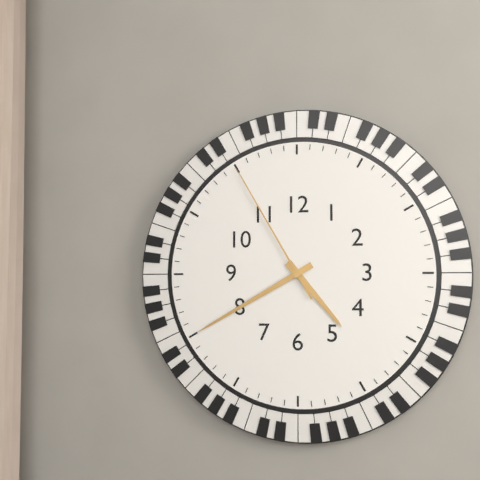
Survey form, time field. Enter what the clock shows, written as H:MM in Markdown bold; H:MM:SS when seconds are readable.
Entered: **4:40:55**
